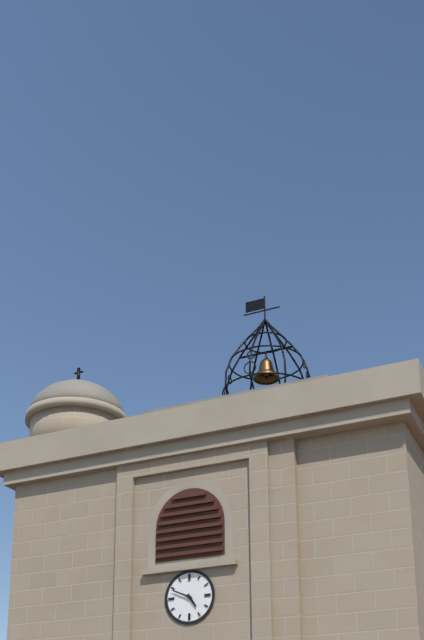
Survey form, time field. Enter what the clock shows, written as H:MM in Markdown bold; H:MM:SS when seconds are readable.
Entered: **4:49**
